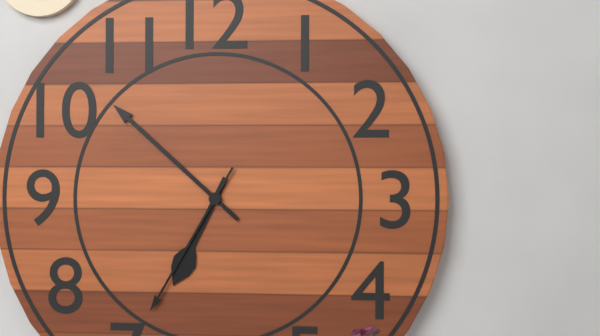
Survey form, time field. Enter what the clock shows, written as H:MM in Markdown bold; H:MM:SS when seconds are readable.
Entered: **6:52:35**
